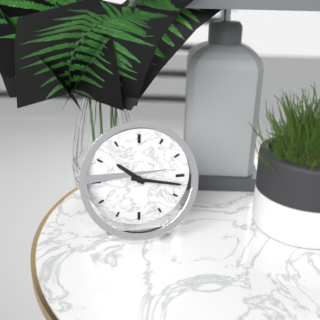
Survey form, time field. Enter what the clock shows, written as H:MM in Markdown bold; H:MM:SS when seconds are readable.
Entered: **10:17**
